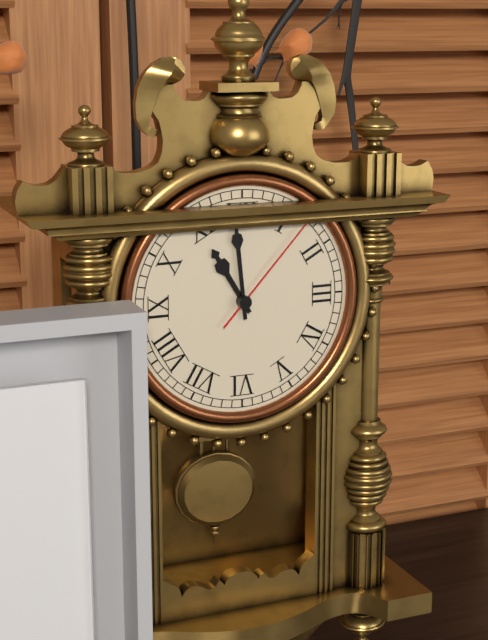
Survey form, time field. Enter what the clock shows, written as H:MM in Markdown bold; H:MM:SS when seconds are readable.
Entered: **10:59:07**
